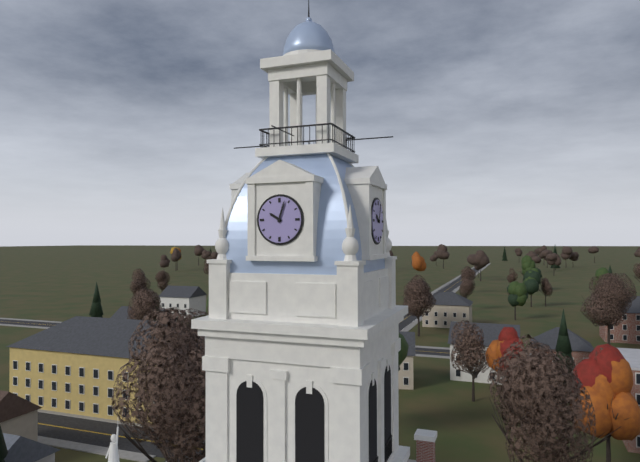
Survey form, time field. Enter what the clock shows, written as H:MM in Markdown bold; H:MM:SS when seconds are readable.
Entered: **10:03**
